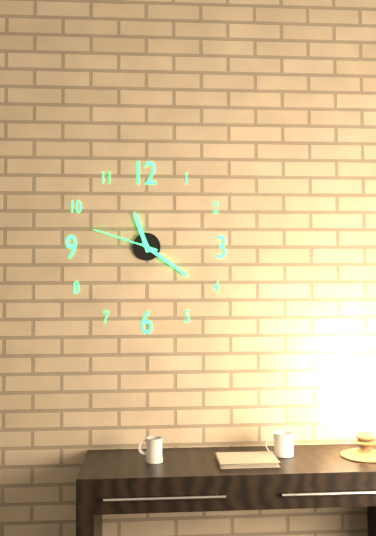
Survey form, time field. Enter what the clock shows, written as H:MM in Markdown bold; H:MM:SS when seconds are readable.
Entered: **11:21:48**
